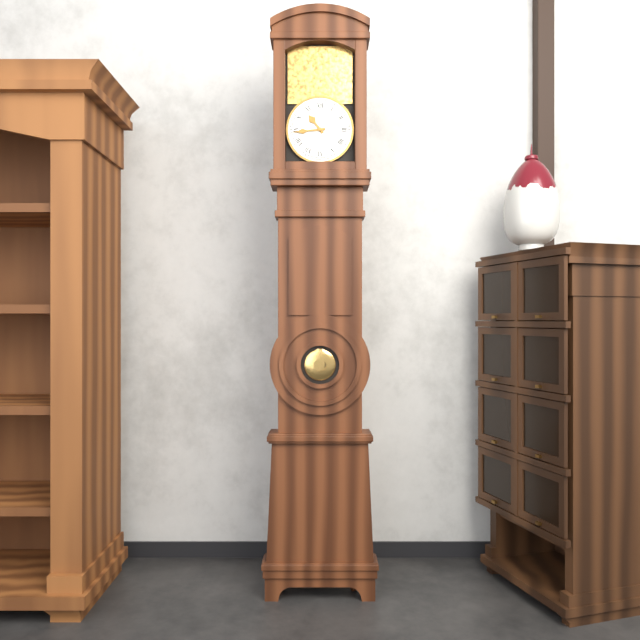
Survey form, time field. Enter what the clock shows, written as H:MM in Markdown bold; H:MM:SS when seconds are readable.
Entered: **10:44**
